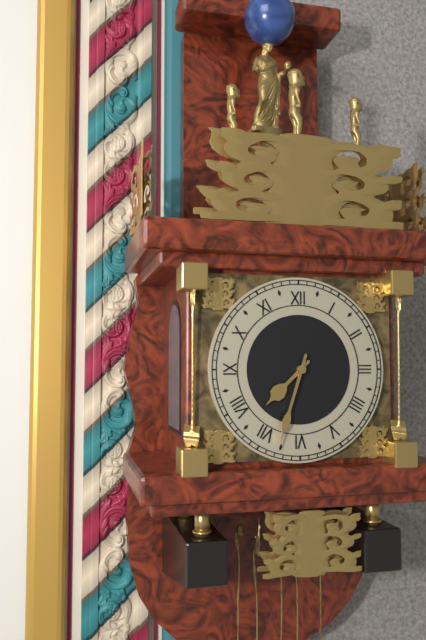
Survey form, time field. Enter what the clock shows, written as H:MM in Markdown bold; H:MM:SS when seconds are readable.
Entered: **7:33**
